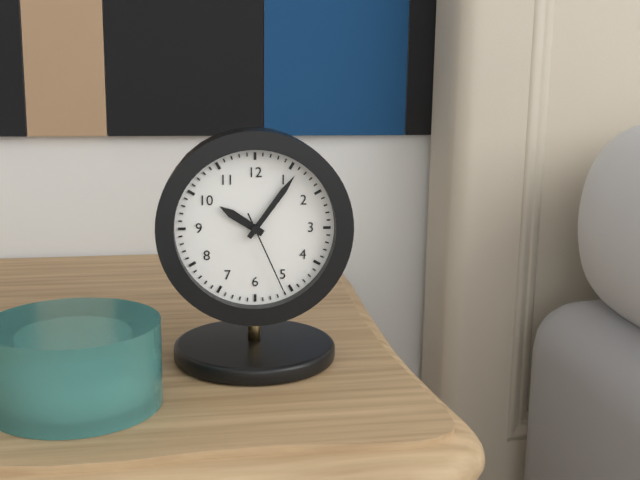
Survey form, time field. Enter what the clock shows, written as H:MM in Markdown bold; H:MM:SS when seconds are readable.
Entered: **10:06:26**
